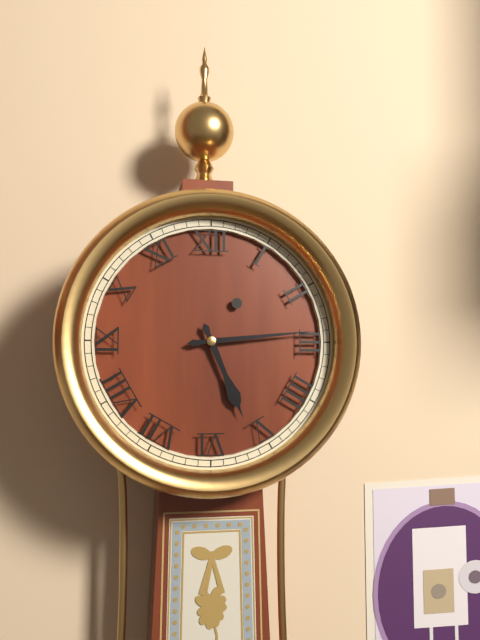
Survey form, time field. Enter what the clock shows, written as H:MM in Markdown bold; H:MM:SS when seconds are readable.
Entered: **5:14**
